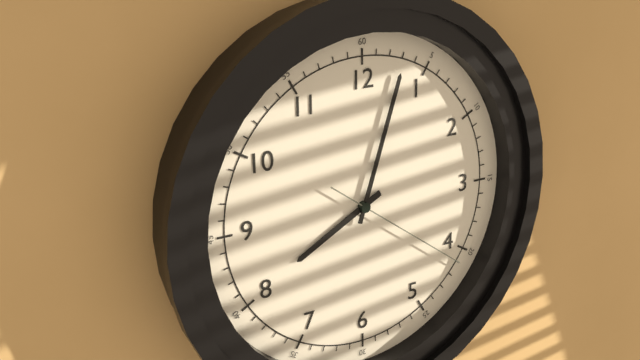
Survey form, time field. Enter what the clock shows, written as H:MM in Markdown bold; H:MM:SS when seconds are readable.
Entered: **8:03:21**
